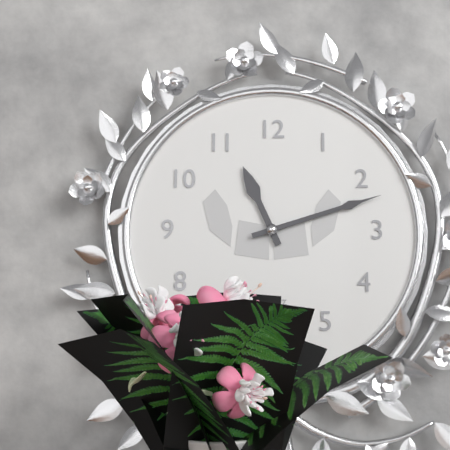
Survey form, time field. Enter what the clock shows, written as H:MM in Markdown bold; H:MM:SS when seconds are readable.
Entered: **11:12**
